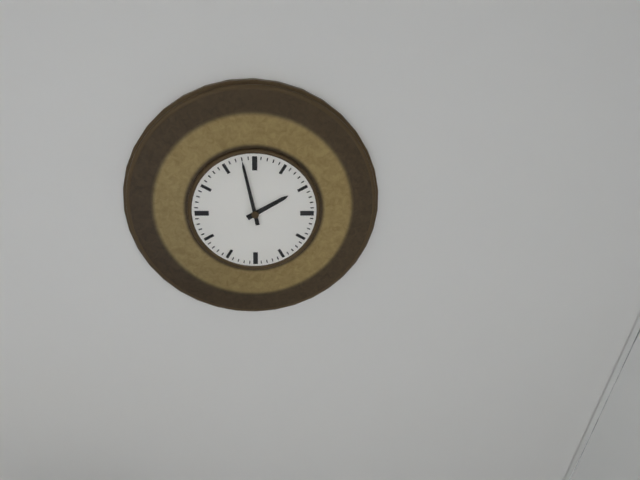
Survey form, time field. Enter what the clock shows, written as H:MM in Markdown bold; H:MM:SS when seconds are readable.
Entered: **1:58**
